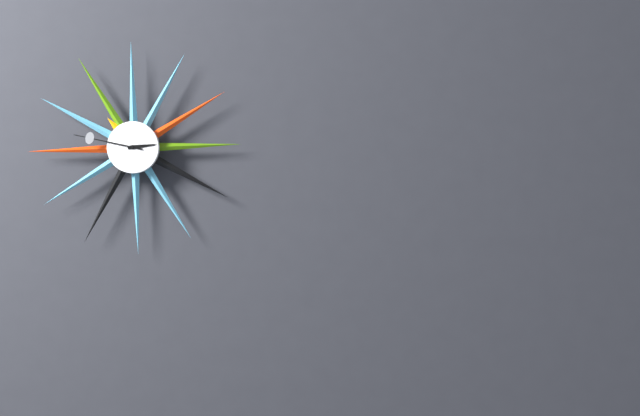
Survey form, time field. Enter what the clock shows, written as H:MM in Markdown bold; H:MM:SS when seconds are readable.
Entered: **2:47**
